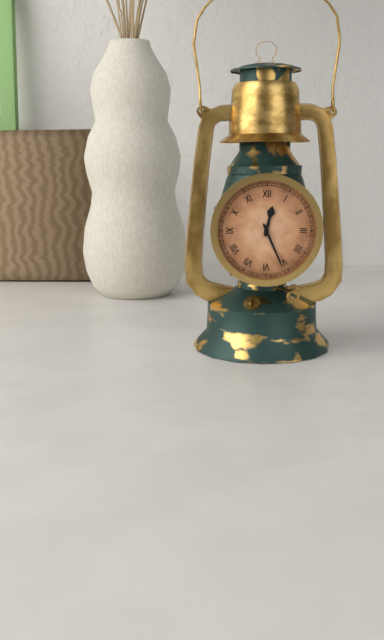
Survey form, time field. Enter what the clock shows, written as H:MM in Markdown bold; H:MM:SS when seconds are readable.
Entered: **12:26**
